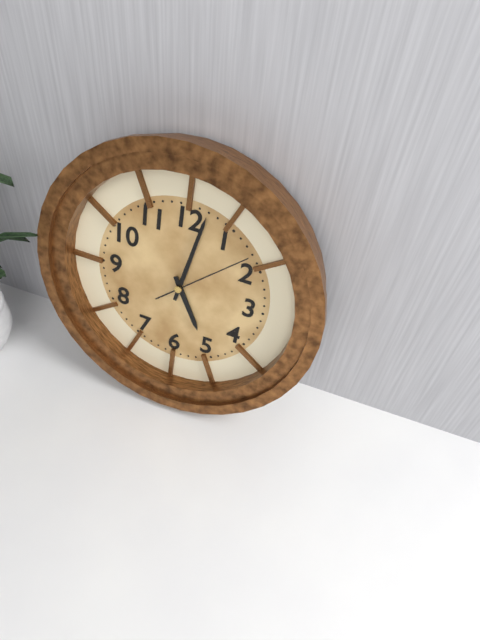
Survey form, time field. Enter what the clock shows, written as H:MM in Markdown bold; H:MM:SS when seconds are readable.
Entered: **5:02:08**
